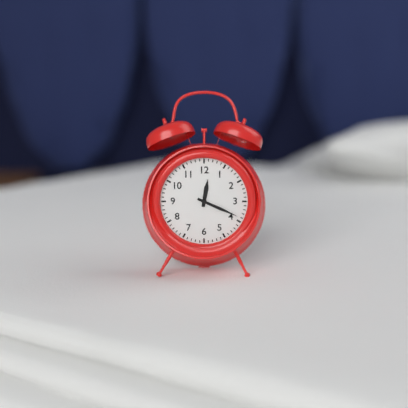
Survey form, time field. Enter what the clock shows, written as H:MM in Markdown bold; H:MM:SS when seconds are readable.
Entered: **12:19**
